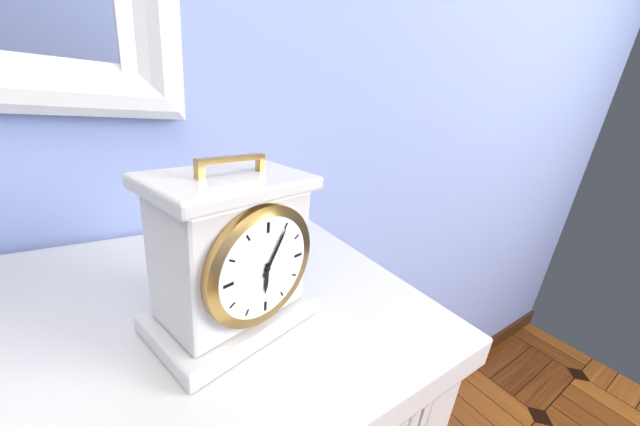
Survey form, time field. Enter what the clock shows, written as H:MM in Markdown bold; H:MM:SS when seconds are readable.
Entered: **6:05**
